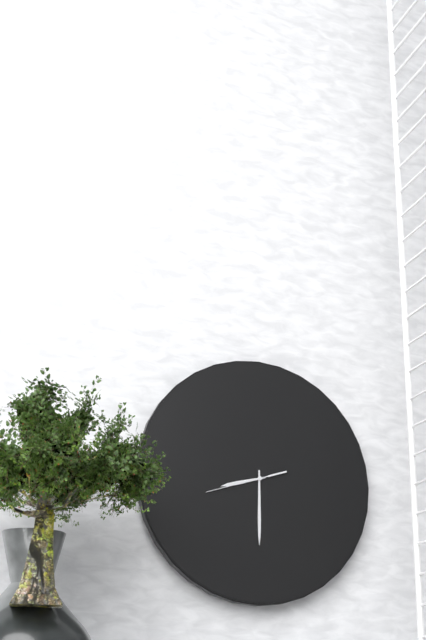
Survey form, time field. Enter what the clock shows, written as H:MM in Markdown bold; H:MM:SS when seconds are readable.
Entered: **8:30:42**
